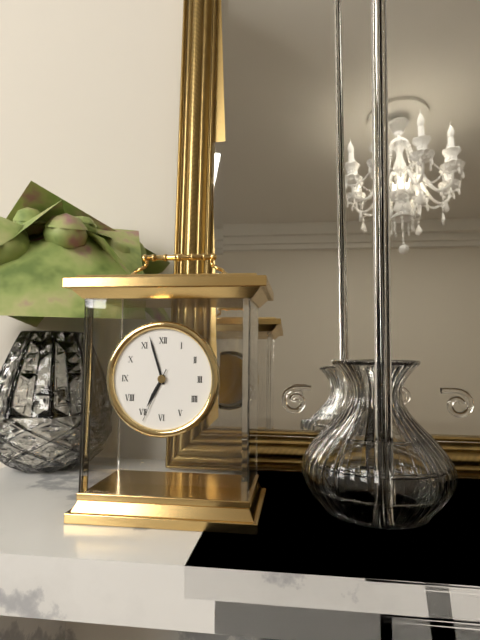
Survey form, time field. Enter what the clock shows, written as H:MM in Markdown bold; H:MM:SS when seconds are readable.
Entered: **6:57:34**
